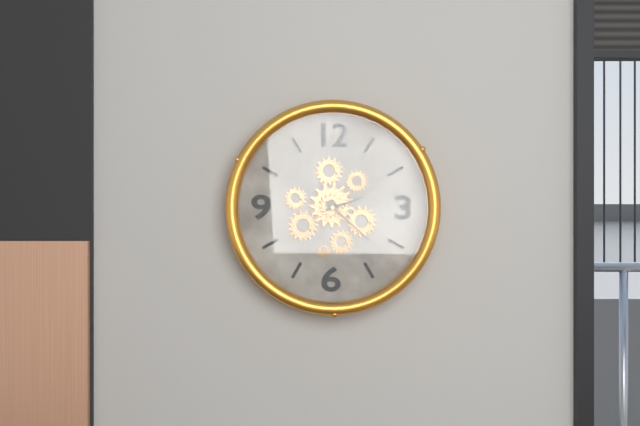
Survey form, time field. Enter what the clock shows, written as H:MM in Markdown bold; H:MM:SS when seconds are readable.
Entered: **2:22**
